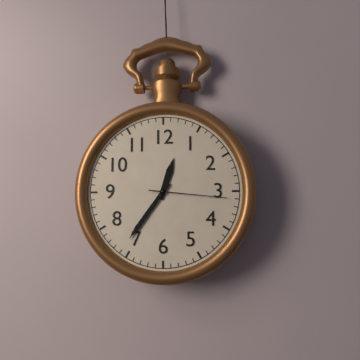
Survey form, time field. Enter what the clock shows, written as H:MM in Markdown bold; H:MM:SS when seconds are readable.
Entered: **12:36:16**
